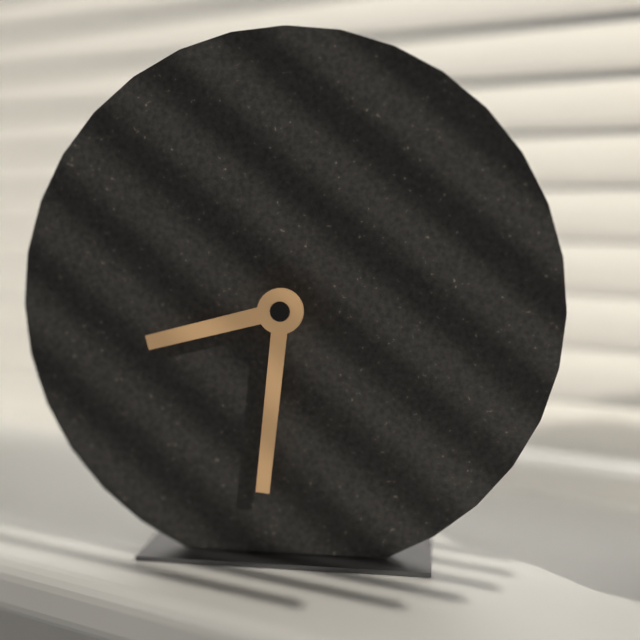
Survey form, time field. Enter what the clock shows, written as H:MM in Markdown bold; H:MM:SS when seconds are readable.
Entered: **8:31**
